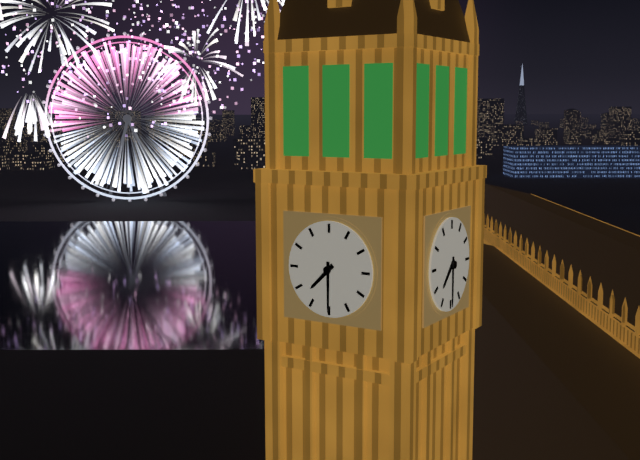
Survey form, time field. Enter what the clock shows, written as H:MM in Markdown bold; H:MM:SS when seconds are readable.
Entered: **7:30**
